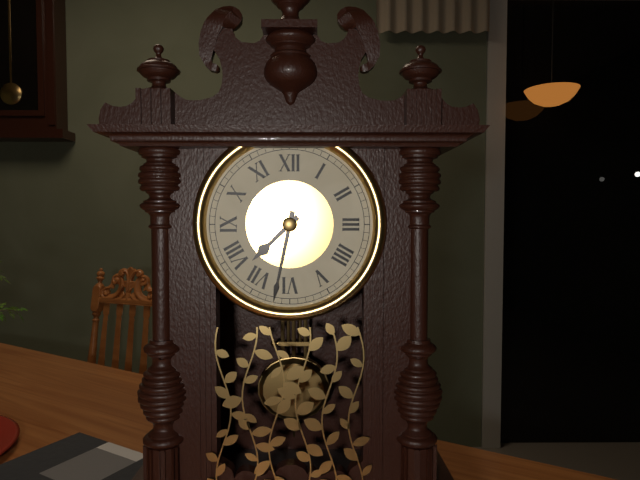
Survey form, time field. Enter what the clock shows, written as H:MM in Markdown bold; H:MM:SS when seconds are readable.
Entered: **7:32**
